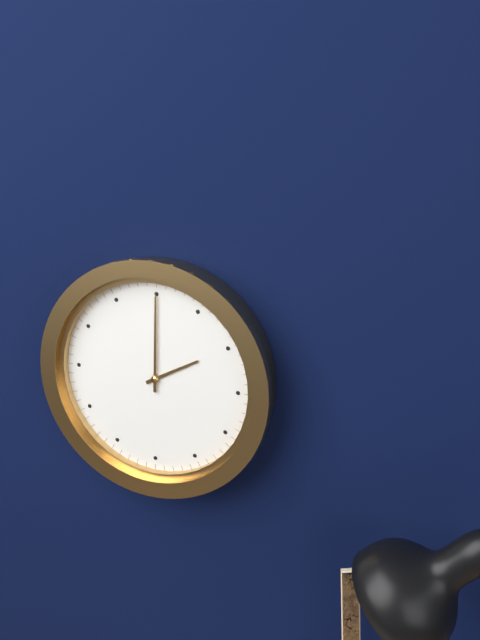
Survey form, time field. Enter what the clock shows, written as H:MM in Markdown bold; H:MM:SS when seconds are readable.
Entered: **2:00**
